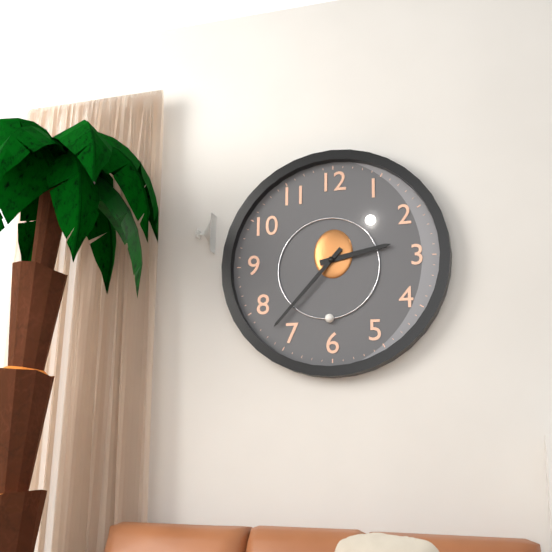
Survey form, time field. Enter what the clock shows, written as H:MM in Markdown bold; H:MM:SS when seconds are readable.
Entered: **2:37**
